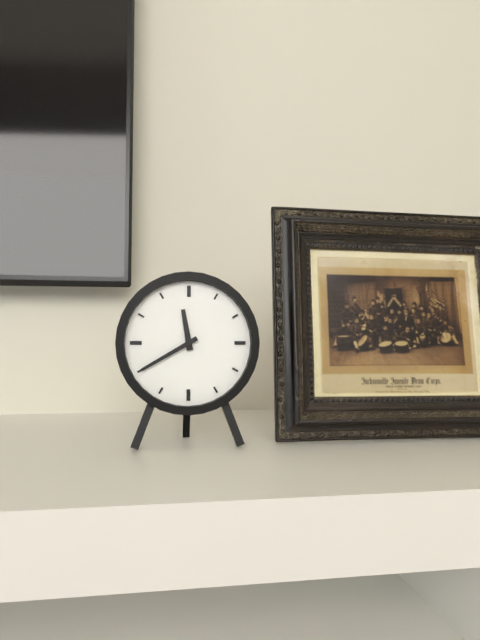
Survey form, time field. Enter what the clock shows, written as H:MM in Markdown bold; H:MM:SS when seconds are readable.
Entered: **11:40**
